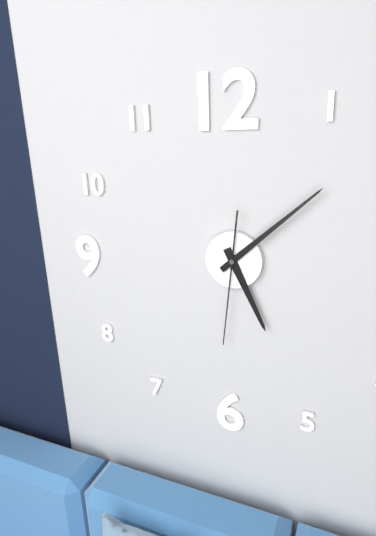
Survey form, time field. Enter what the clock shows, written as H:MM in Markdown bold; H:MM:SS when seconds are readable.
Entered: **5:08:31**
